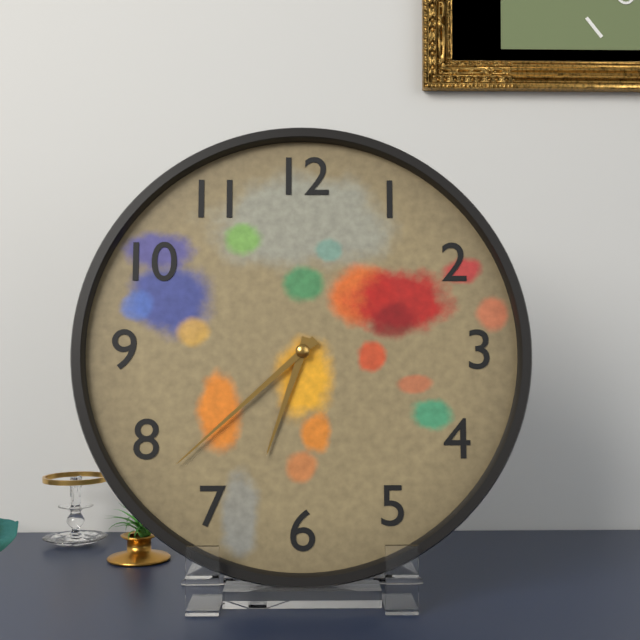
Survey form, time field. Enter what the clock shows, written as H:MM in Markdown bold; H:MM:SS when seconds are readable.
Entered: **6:38**
